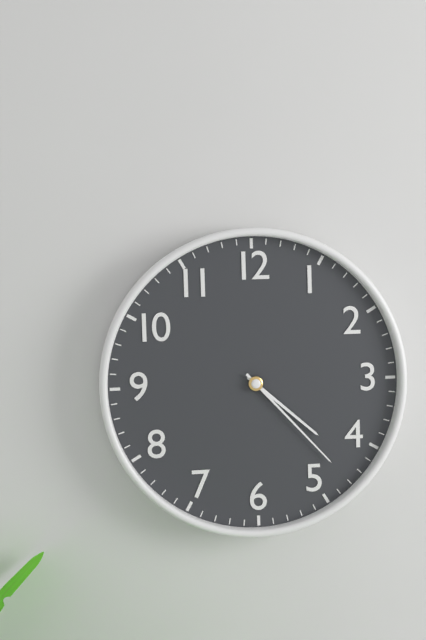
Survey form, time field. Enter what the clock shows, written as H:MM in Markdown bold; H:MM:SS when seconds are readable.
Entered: **4:23**
